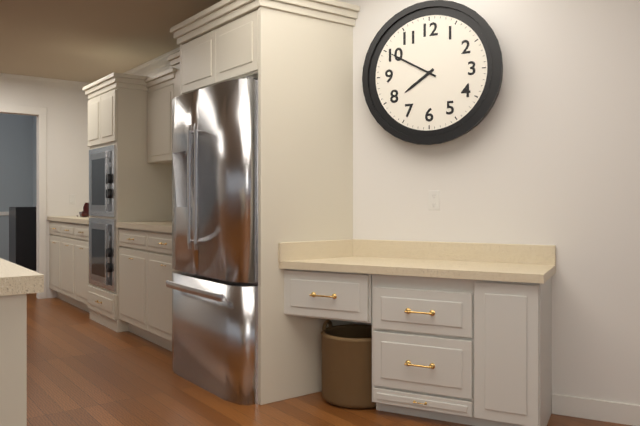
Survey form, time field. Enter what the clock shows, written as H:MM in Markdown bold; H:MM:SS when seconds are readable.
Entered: **7:50**
